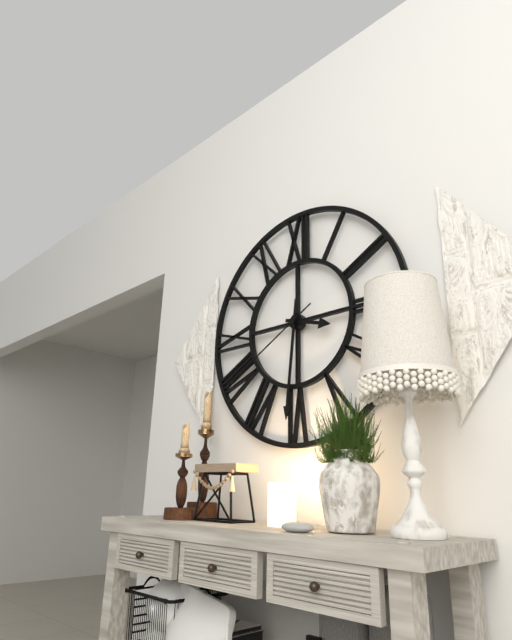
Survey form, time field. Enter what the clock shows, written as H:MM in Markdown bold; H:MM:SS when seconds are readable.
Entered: **3:31:40**
